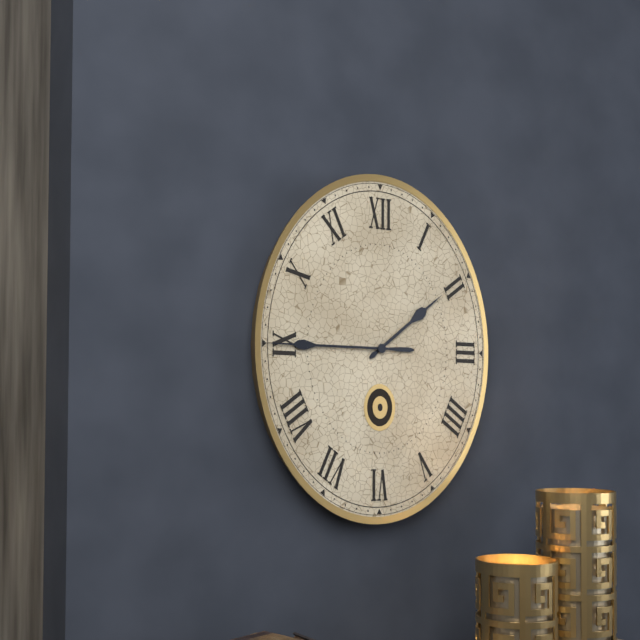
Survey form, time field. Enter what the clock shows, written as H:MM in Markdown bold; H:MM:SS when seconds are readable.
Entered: **1:45**
